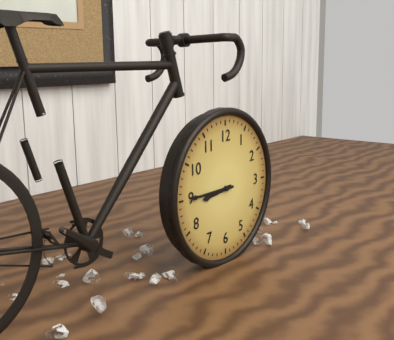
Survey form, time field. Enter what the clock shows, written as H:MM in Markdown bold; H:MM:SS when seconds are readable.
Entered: **8:45**
